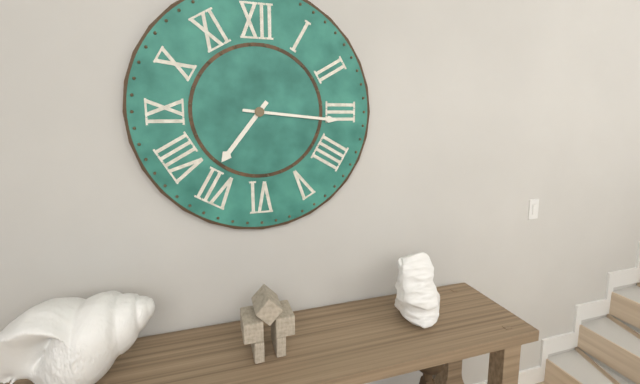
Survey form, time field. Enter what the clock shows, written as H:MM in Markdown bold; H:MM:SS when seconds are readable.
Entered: **7:16**
